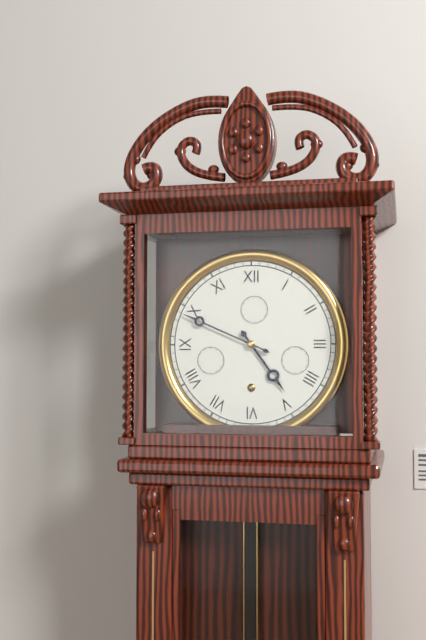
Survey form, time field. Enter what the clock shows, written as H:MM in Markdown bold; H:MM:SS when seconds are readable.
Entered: **4:49**
